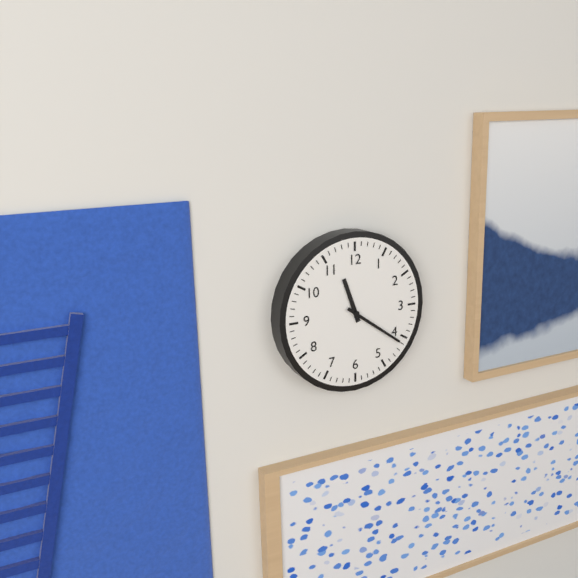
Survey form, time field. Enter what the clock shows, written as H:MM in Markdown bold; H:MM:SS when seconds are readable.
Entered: **11:21**
